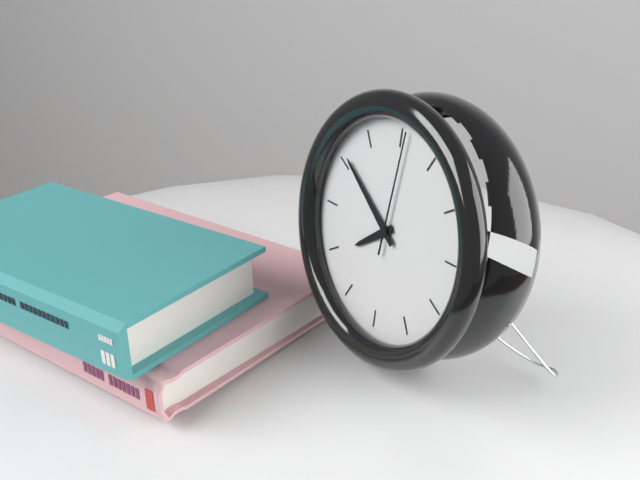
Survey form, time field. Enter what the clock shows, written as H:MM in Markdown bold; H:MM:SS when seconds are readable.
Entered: **7:51:01**
